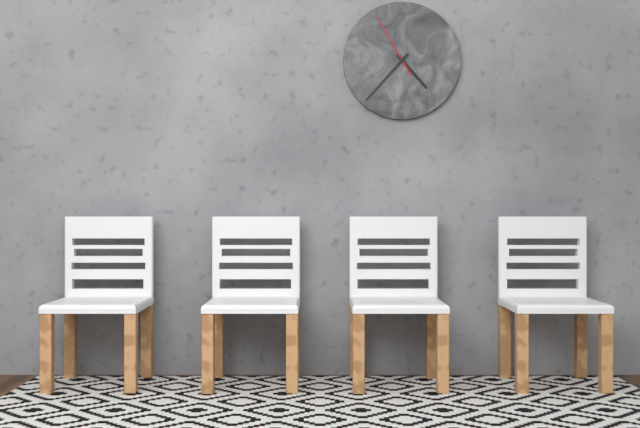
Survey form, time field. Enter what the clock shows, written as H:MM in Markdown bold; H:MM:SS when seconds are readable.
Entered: **4:37:55**
